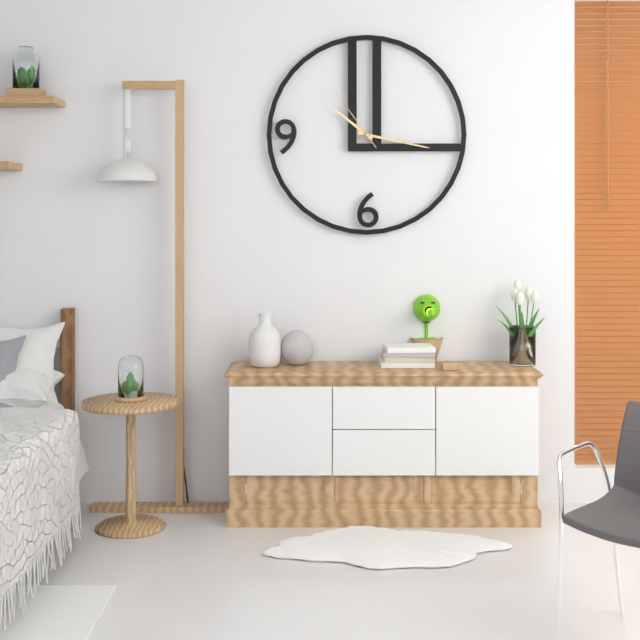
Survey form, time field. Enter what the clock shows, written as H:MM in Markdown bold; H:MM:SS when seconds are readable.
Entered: **10:17:54**
